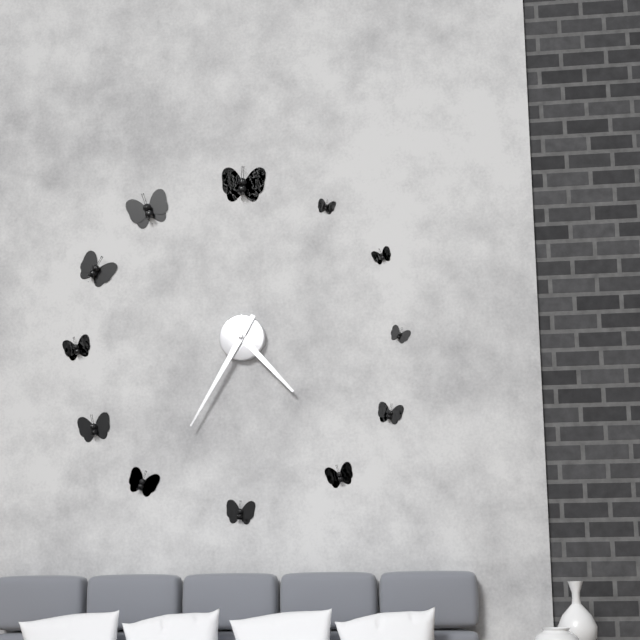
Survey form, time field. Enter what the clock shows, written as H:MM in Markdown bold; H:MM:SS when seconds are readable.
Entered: **4:35**
